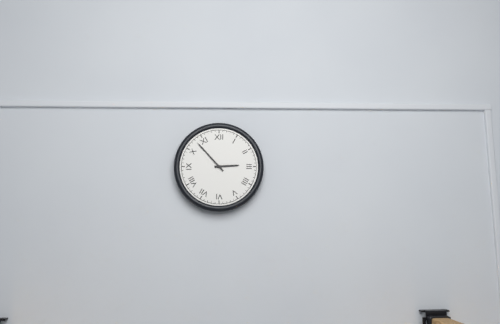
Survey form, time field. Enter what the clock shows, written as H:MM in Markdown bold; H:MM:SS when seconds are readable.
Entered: **2:53**
